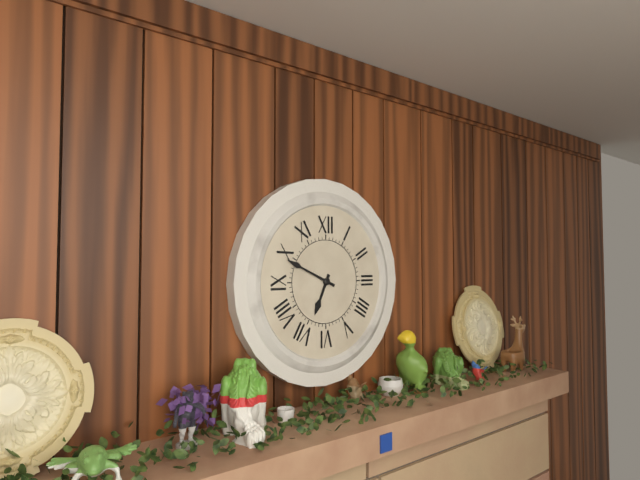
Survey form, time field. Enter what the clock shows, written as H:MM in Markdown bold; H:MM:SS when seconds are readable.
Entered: **6:49**
